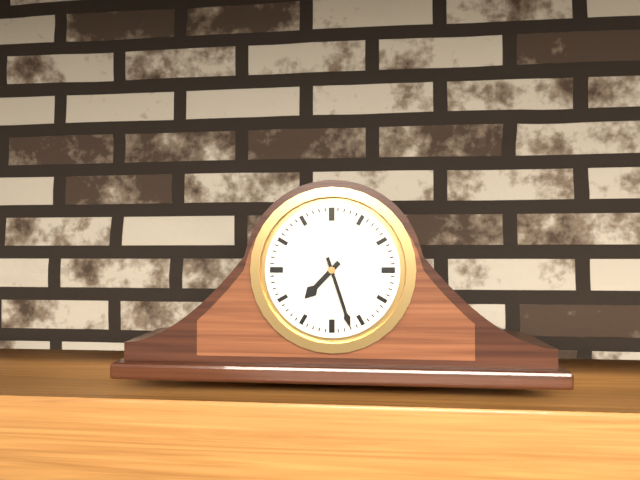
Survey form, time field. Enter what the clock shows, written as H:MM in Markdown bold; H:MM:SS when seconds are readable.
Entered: **7:27**
